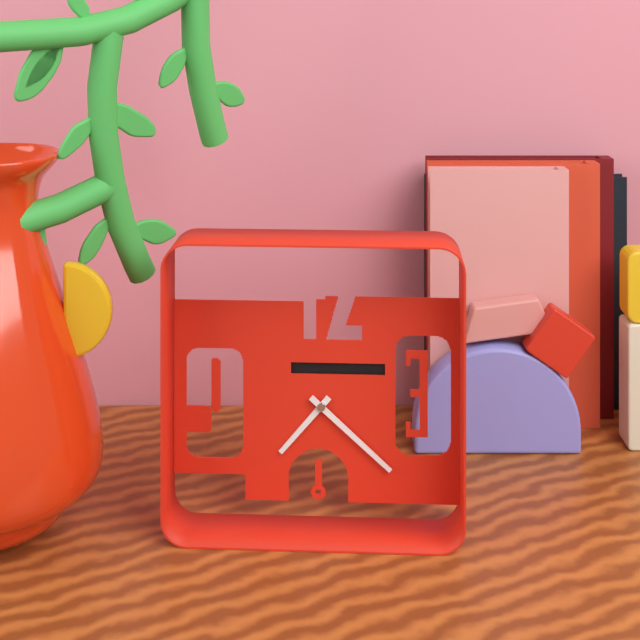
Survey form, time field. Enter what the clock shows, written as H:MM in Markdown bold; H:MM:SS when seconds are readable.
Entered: **7:22**
